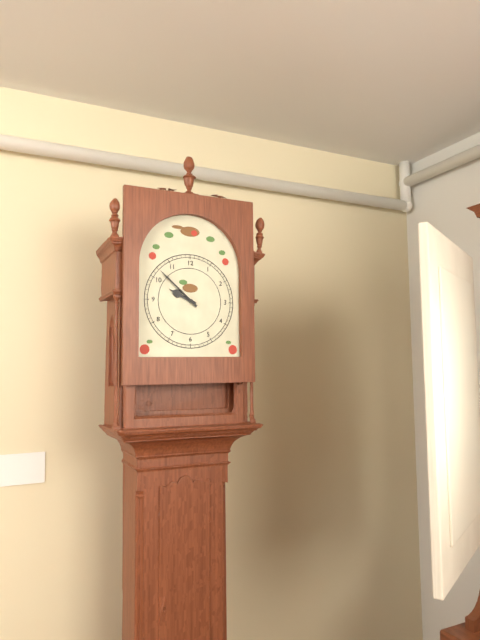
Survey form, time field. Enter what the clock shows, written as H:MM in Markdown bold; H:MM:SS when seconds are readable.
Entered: **9:52**
